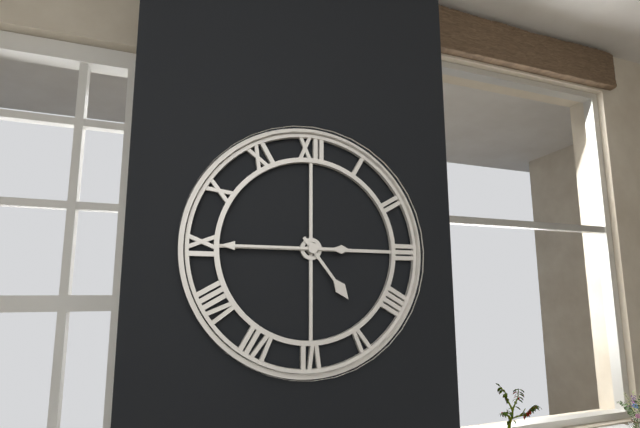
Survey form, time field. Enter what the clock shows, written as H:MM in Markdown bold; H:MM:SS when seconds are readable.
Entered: **4:45**
